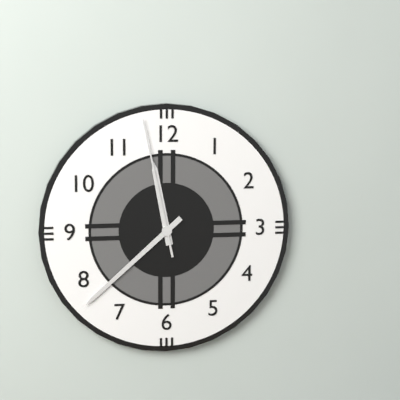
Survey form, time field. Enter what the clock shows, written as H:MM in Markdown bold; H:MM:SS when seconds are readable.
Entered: **11:38:58**
